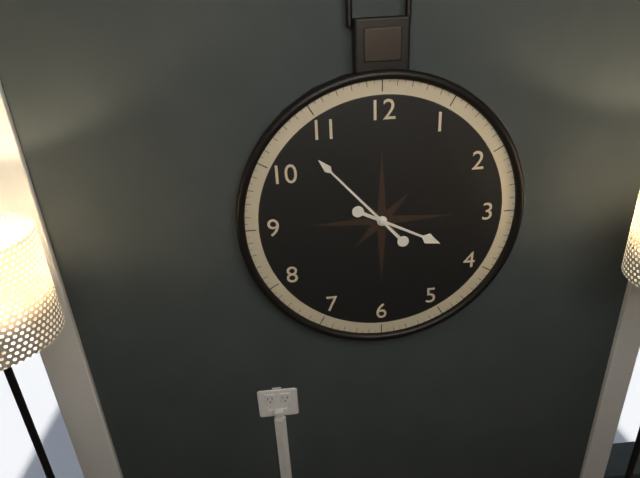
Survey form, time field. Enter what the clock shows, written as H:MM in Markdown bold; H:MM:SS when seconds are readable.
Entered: **3:53**
